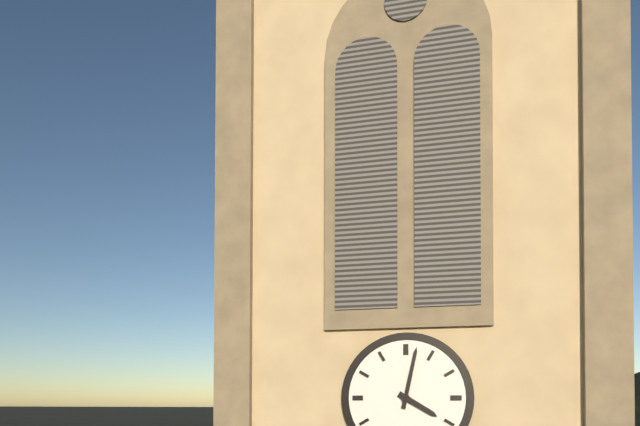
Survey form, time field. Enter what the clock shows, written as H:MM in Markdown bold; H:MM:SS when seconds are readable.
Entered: **4:02**
